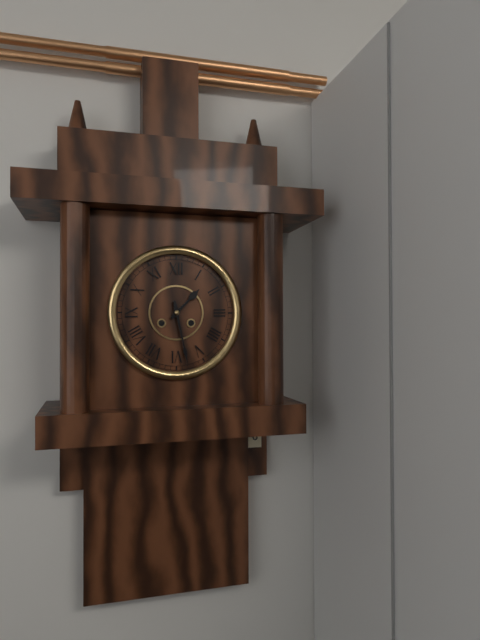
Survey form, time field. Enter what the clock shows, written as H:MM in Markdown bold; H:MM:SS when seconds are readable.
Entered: **1:28**
